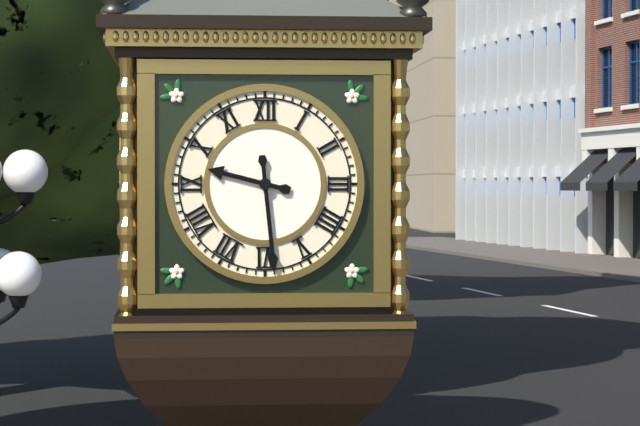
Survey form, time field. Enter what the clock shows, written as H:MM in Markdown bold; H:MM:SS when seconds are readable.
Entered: **9:29**
